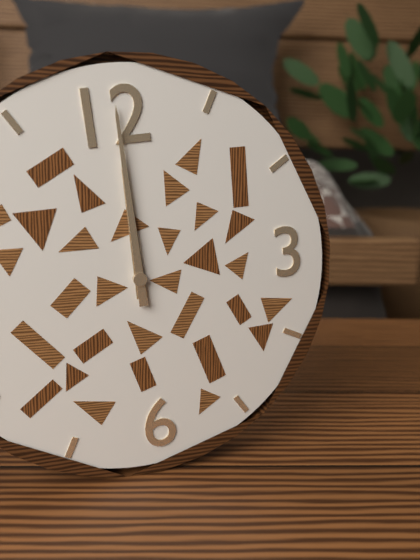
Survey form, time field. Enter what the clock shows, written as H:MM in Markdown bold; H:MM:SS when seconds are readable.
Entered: **12:00**
